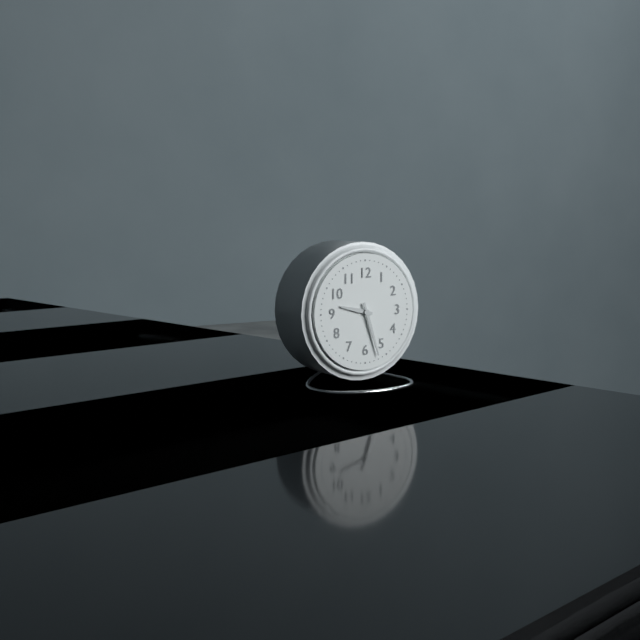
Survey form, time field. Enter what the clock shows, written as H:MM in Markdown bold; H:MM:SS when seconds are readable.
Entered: **9:27**
